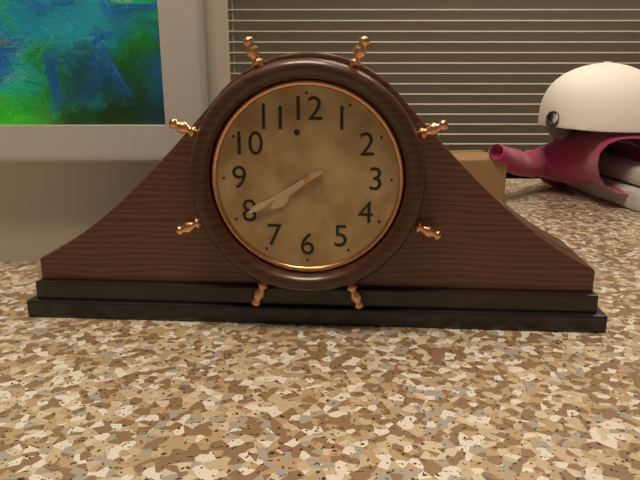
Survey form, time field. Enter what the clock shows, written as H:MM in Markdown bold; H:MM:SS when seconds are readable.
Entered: **7:40**
